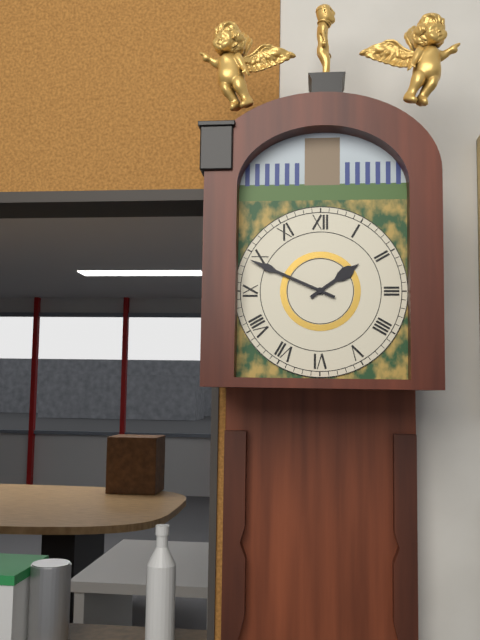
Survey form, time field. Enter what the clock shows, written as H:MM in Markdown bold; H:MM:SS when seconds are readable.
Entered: **1:49**
